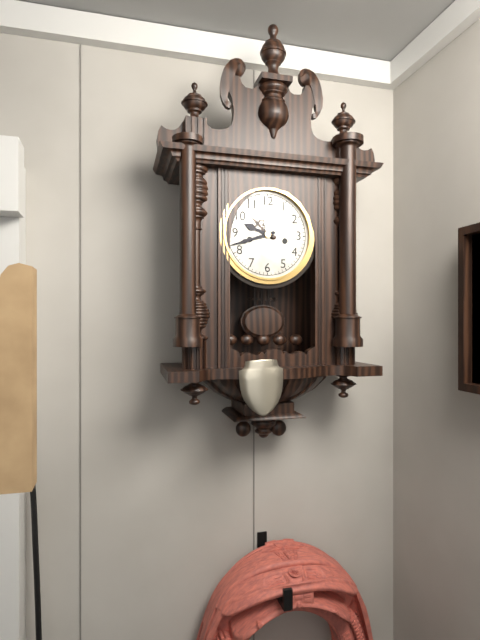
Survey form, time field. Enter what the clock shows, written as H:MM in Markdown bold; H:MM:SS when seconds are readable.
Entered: **9:42**
